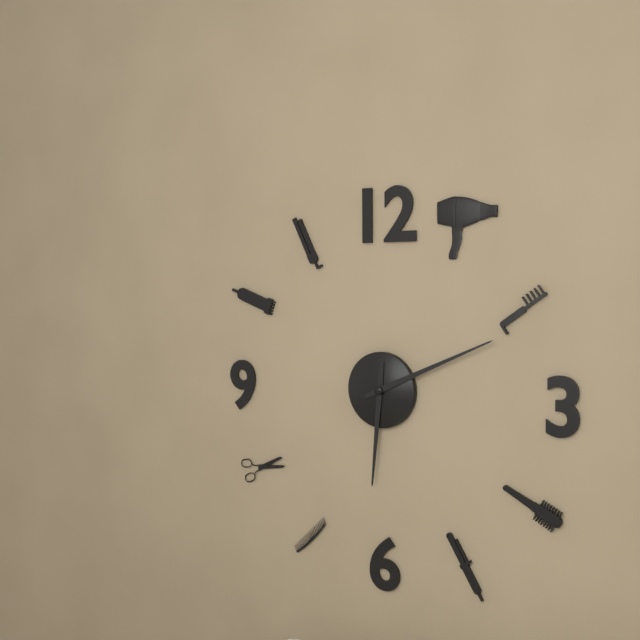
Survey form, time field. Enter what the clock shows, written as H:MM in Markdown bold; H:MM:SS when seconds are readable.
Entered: **6:11**
